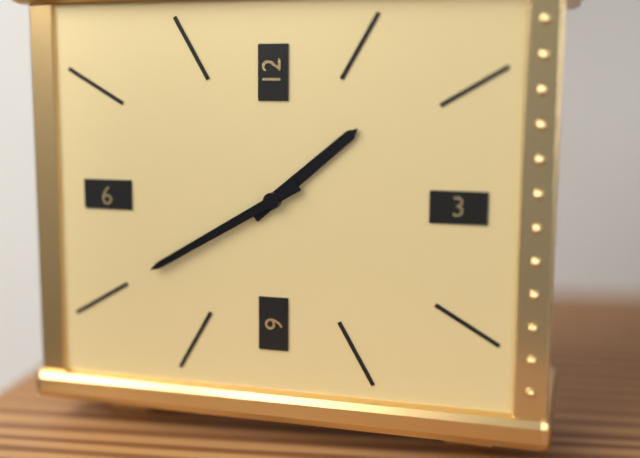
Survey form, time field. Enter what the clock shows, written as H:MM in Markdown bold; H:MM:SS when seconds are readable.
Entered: **1:40**
